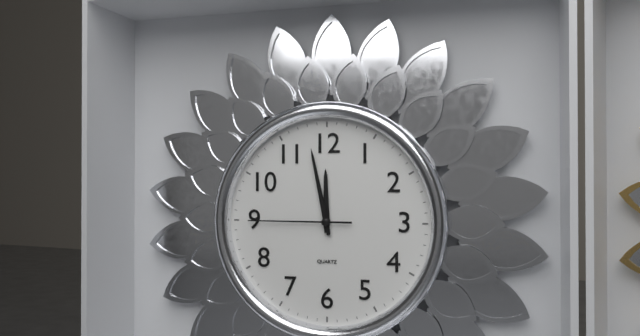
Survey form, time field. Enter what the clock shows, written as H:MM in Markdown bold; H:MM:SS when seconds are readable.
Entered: **11:58:45**
